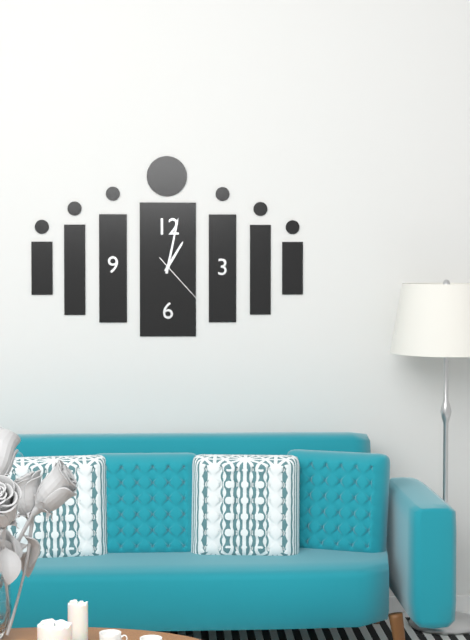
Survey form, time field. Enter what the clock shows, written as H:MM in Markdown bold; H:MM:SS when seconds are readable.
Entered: **1:02:23**
